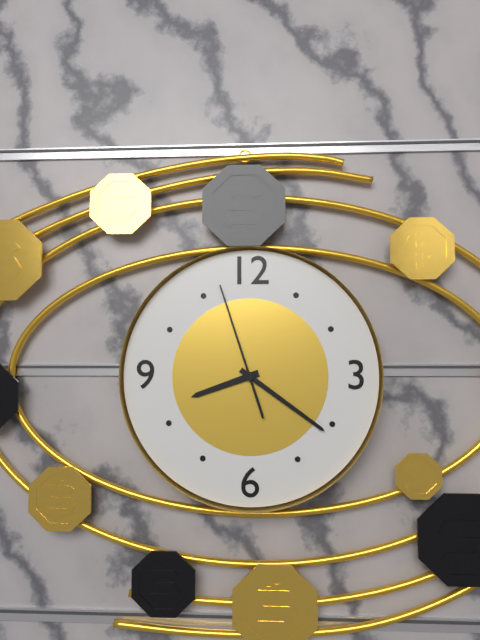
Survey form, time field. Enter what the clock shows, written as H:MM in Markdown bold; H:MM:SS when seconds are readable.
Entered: **8:21:57**
